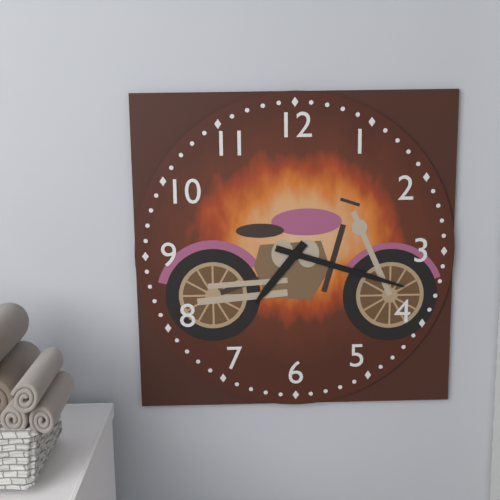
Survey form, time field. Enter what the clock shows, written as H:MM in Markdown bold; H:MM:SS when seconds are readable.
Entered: **7:18**
